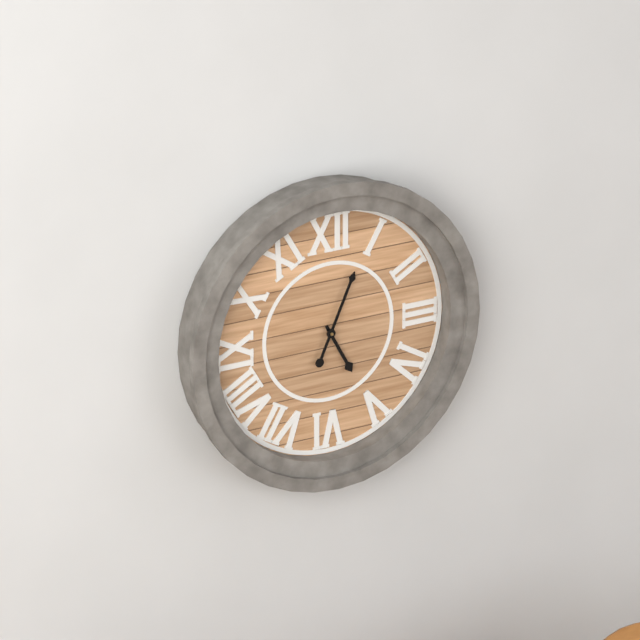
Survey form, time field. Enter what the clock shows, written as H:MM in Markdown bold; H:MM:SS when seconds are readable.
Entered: **5:04**
